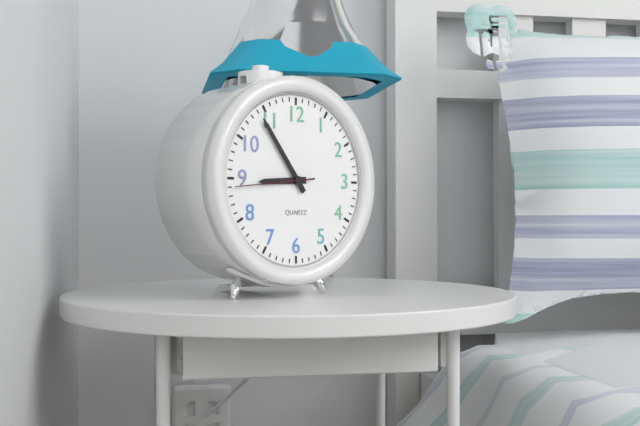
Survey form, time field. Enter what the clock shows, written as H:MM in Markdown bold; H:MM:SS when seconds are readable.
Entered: **8:54:44**
